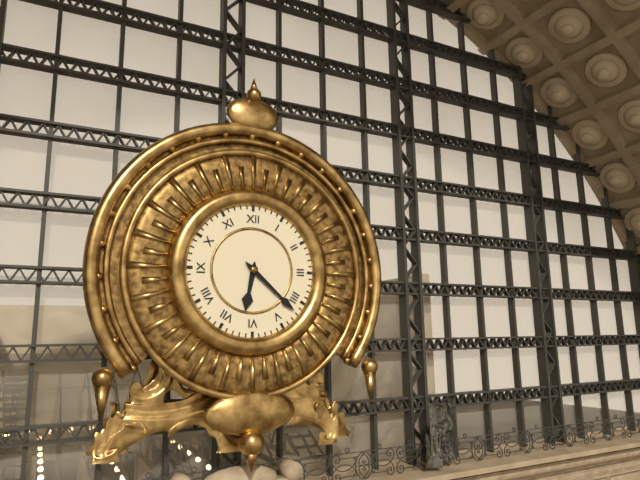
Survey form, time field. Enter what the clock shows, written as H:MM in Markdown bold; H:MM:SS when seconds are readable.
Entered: **6:22**
